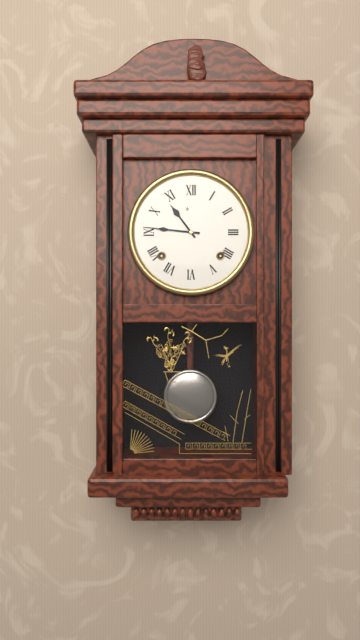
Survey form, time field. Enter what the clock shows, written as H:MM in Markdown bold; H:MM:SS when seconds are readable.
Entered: **10:46**
